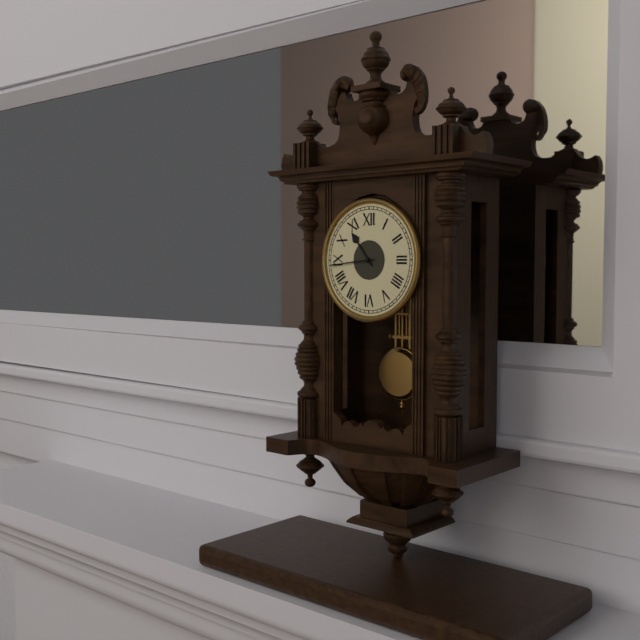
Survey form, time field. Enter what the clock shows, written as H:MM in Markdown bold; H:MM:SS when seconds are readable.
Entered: **10:44**
